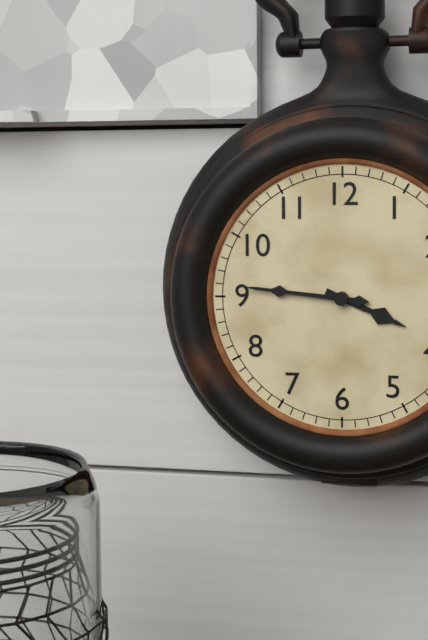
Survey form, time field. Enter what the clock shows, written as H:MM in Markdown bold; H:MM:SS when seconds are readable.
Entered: **3:46**
